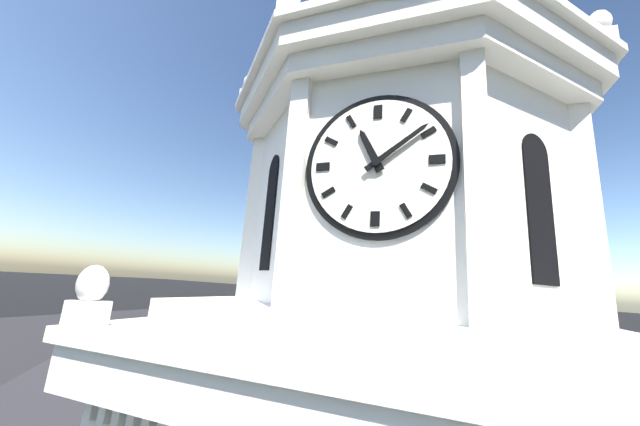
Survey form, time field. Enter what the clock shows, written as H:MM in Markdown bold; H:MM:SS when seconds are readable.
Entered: **11:09**
